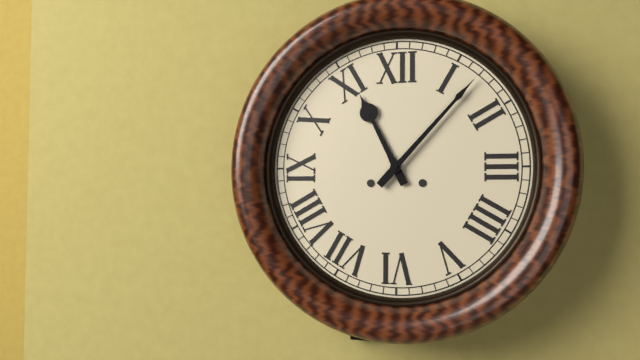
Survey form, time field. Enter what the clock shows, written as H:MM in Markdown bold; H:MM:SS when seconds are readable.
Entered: **11:07**
